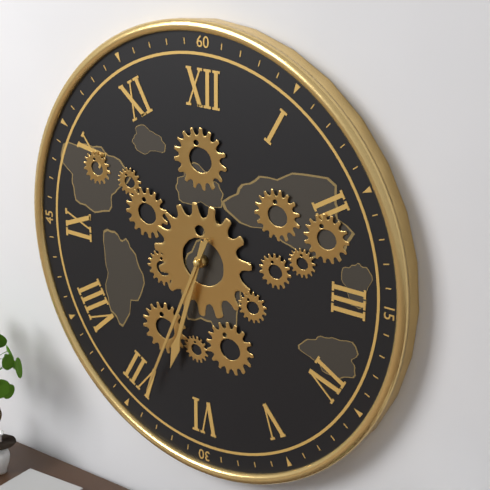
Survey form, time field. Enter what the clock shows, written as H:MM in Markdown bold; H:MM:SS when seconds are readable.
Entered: **6:34**
